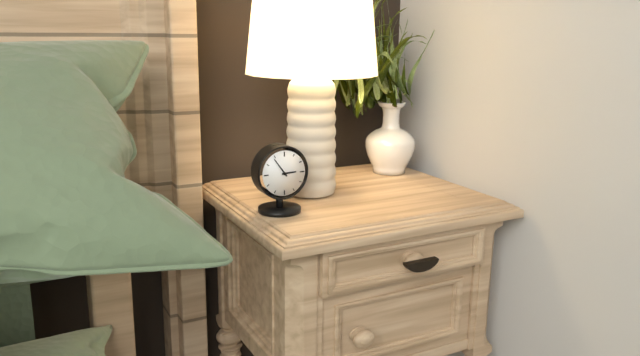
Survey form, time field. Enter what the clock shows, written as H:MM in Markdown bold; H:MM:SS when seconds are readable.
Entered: **2:54**
